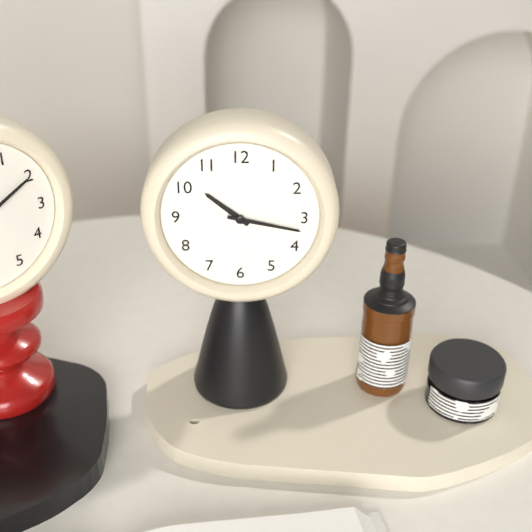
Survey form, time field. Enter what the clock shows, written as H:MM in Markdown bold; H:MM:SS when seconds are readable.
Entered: **10:17**
